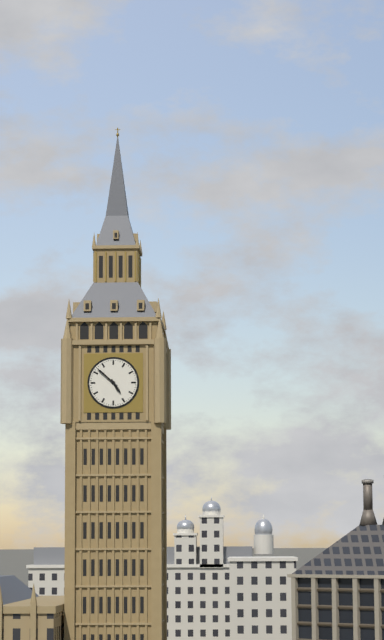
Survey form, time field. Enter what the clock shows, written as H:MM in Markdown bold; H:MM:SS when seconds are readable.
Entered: **4:52**
